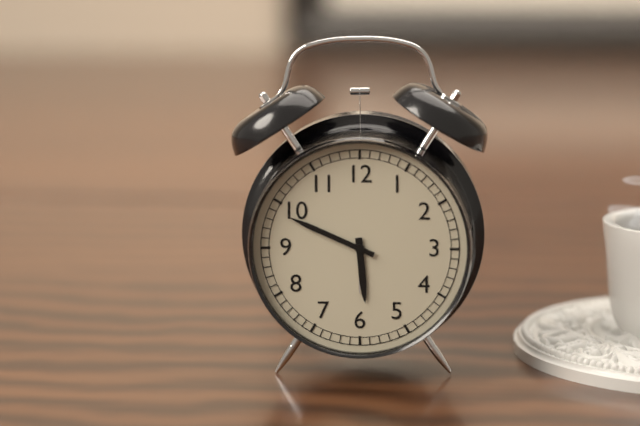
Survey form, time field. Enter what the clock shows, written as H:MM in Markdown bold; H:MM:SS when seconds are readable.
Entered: **5:49**
